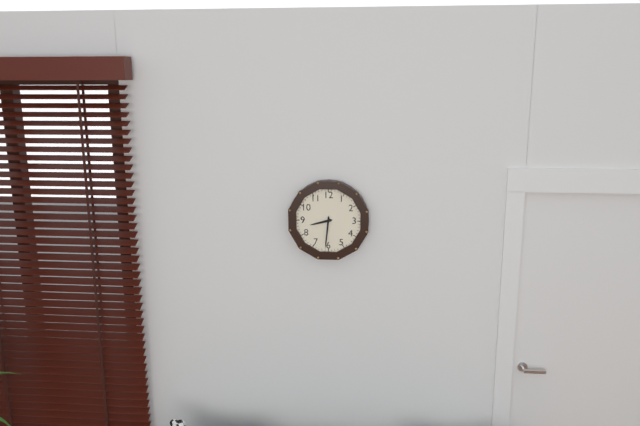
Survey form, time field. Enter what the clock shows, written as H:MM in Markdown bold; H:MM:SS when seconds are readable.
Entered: **8:31**
